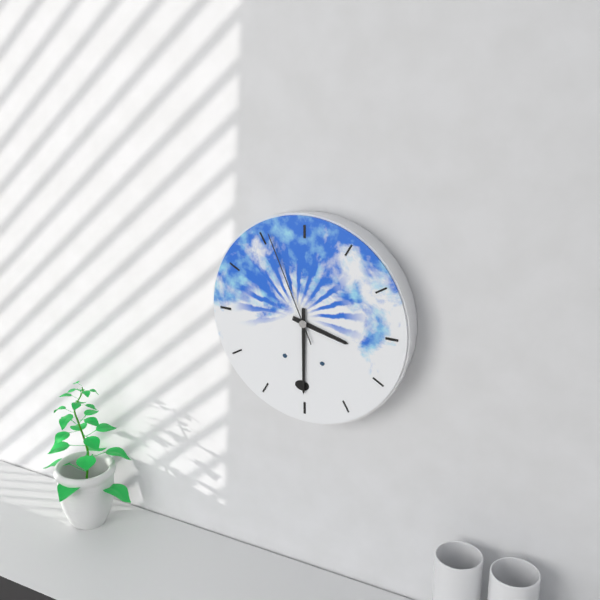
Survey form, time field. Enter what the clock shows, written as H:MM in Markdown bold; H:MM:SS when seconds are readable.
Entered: **3:30:56**
